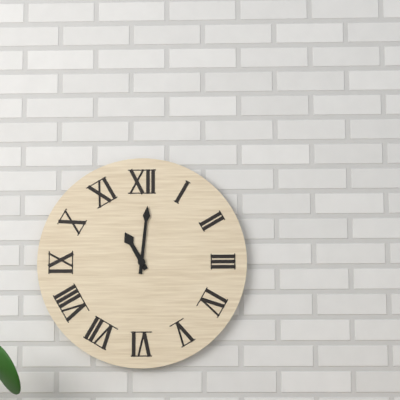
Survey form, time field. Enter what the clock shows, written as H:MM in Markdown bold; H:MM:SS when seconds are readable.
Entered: **11:01**
